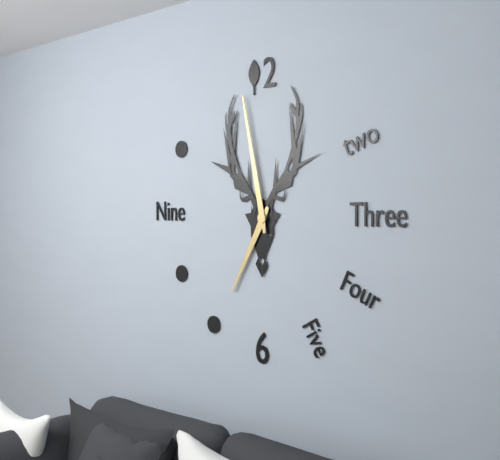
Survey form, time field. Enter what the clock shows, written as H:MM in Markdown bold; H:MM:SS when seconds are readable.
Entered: **6:58**
